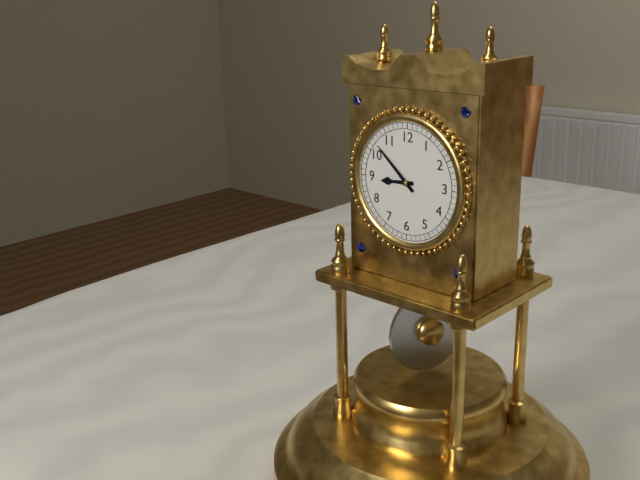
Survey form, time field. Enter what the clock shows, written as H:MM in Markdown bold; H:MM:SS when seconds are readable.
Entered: **8:52**
